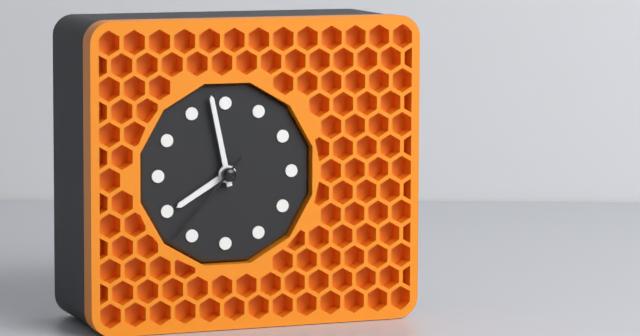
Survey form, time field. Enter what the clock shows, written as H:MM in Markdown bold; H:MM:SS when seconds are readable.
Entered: **7:58:37**
